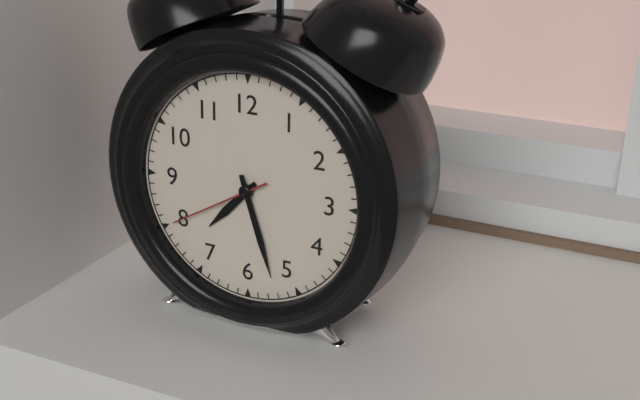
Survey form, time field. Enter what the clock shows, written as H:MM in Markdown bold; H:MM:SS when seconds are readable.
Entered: **7:27:40**
